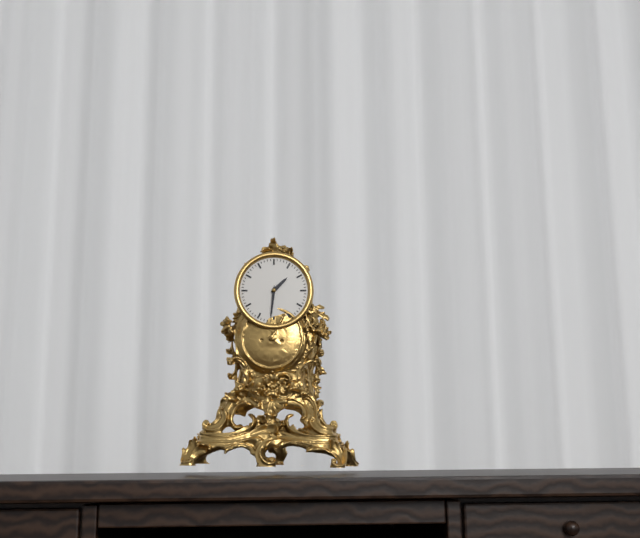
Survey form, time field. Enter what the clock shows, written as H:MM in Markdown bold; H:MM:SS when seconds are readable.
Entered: **1:31**
